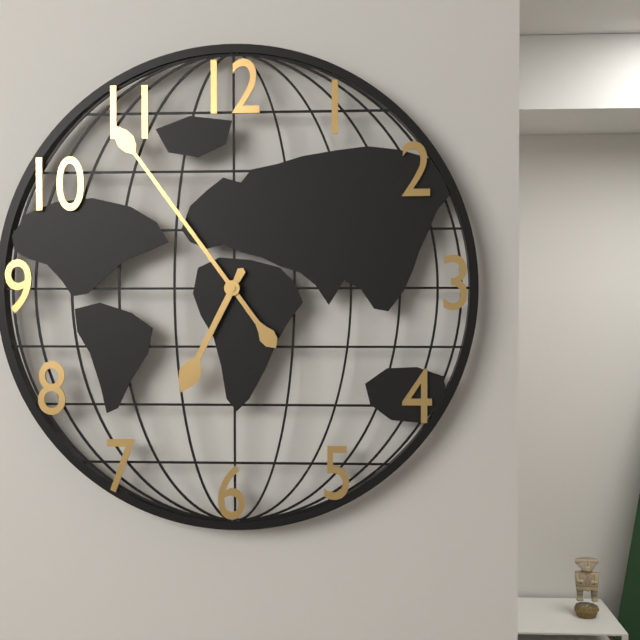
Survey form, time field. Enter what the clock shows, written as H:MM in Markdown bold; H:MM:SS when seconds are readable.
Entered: **6:54**
